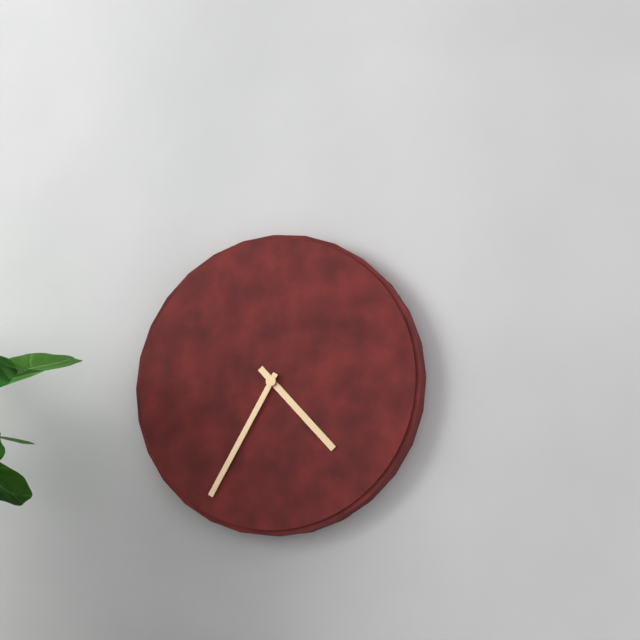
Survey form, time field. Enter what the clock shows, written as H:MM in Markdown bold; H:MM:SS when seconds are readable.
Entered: **4:35**
